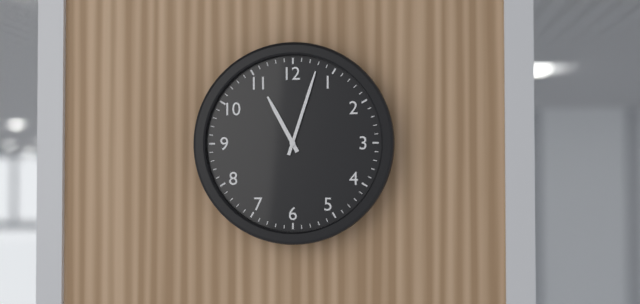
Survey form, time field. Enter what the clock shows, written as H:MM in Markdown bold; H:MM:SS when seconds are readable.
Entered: **11:03**
